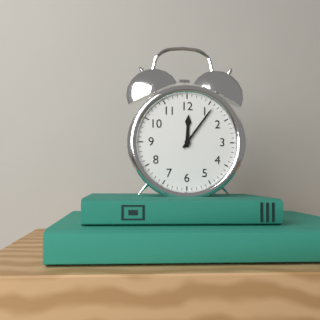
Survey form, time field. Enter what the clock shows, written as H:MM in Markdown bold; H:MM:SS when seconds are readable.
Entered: **12:06**
